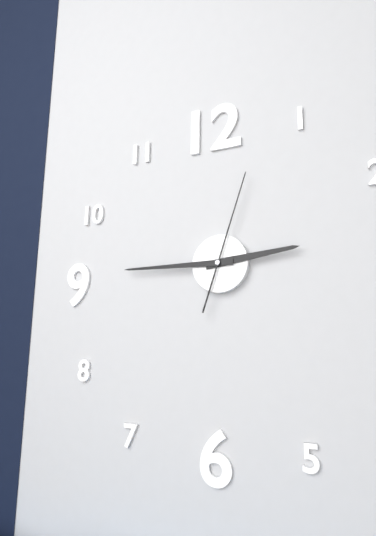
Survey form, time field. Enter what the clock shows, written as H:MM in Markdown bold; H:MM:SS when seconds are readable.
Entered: **2:45:03**
